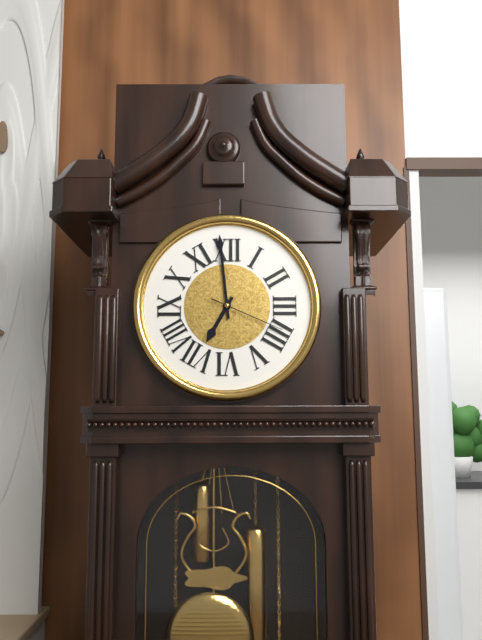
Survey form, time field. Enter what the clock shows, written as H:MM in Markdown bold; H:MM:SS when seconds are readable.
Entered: **6:59:19**
